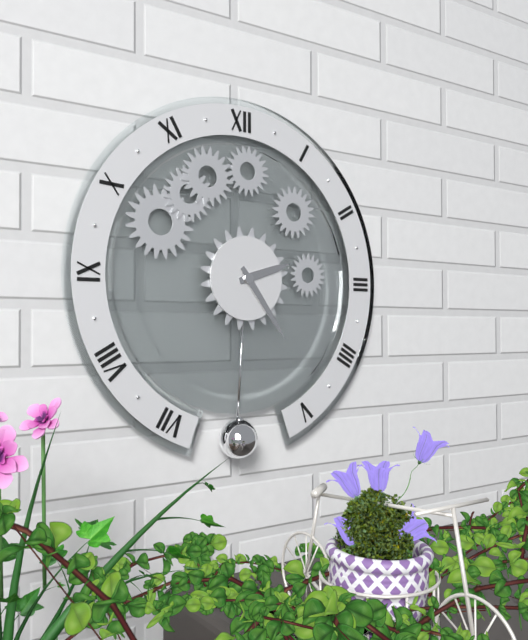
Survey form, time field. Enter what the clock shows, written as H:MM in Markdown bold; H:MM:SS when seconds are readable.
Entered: **2:24**
